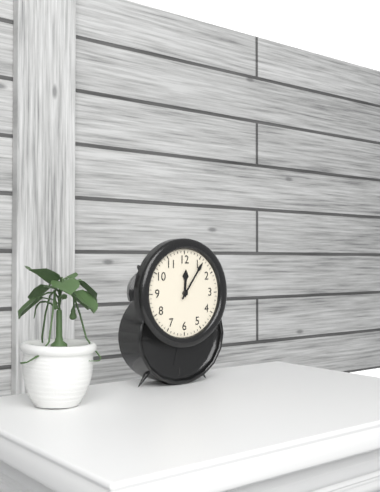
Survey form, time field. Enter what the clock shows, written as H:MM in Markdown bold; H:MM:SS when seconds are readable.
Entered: **12:06**
